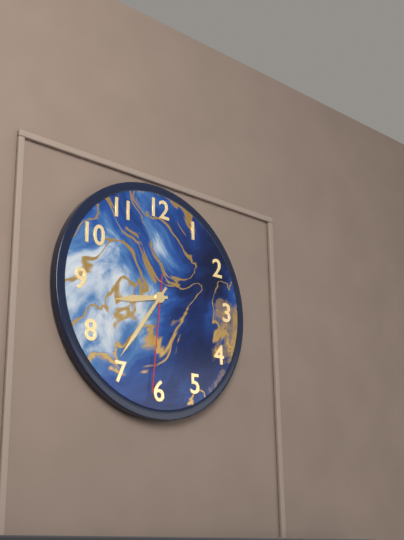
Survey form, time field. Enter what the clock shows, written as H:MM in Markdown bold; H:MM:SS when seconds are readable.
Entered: **8:36:31**
